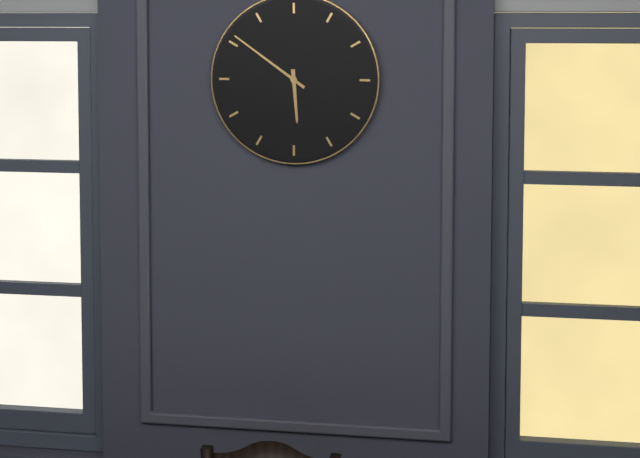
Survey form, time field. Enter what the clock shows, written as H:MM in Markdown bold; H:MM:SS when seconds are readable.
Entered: **5:51**
